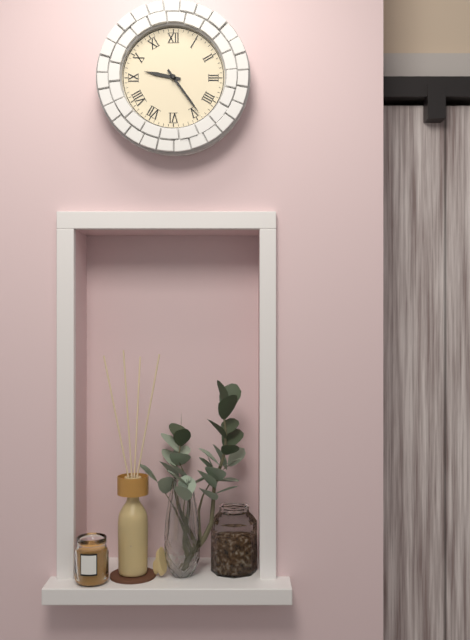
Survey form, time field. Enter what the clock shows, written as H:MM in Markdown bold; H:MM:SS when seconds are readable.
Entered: **9:24**
